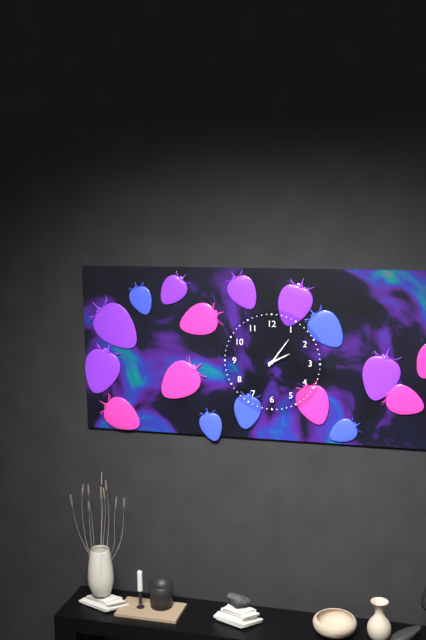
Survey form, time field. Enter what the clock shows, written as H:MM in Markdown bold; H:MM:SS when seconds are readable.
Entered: **2:06**
